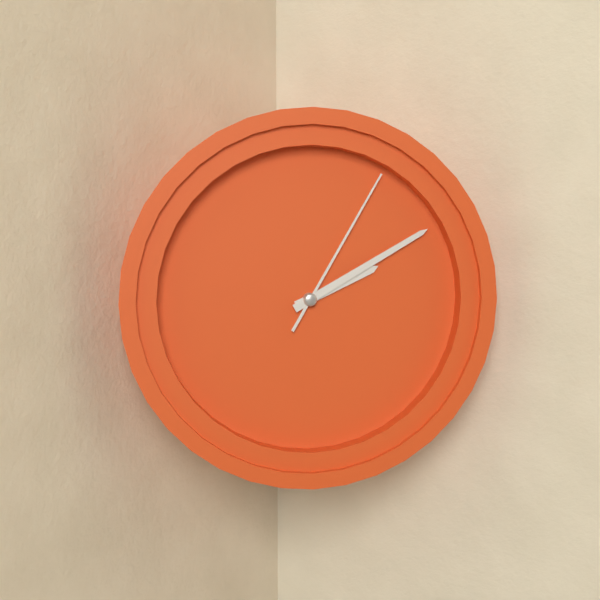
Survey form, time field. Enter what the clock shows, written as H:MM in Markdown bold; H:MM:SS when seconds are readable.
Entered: **2:10:05**
